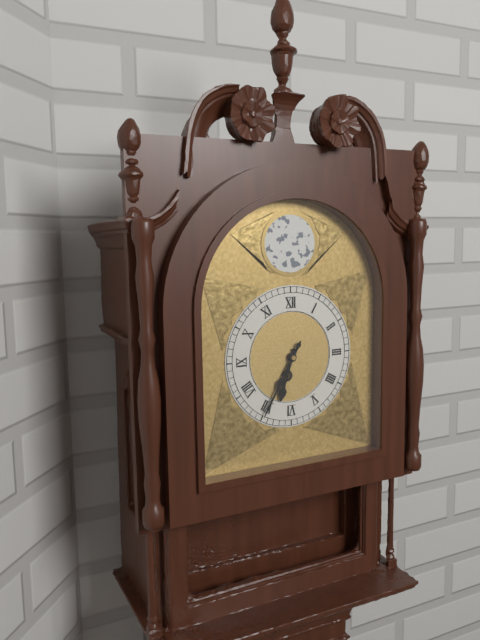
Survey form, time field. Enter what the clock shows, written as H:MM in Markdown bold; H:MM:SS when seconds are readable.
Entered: **6:35**
